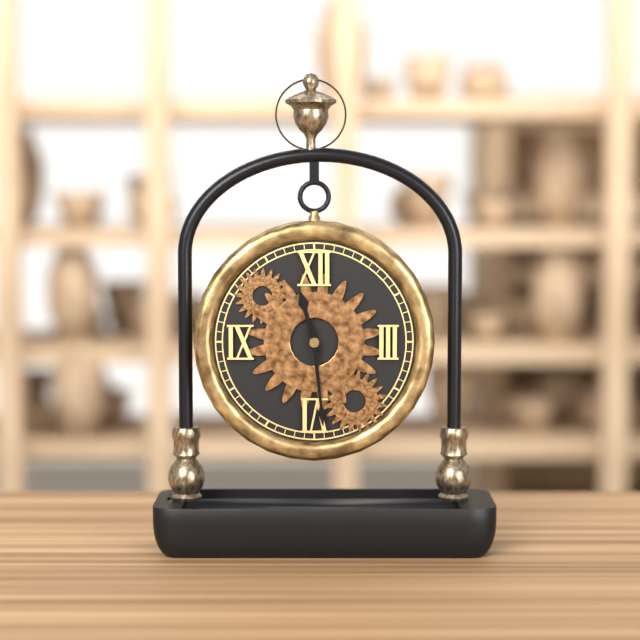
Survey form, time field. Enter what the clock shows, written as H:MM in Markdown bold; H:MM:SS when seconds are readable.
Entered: **11:29**
